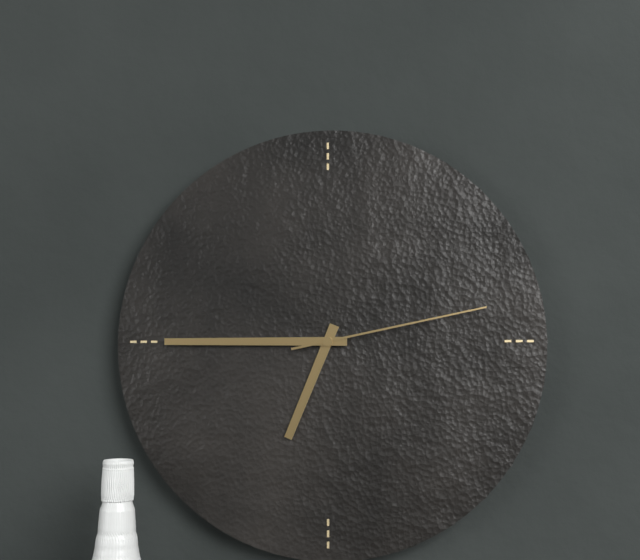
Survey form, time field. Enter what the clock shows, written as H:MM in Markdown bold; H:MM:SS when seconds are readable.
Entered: **6:45:13**
